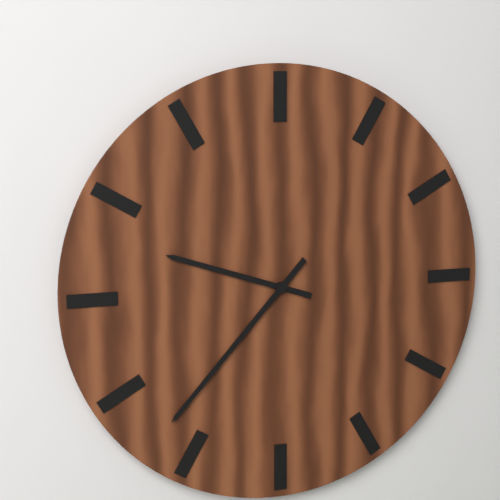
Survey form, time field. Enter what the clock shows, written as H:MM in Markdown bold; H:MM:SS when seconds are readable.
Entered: **9:37**
